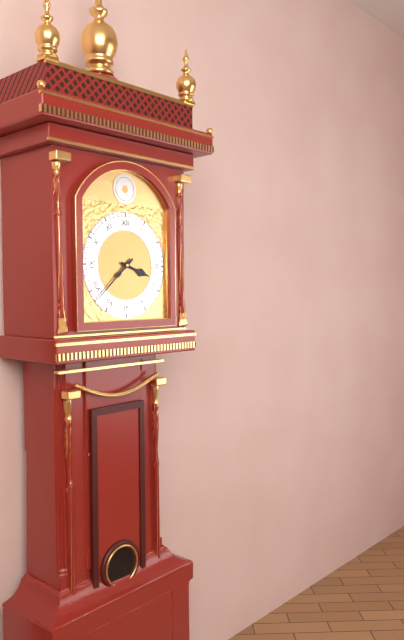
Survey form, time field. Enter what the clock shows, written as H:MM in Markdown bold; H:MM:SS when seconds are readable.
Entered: **3:38**
